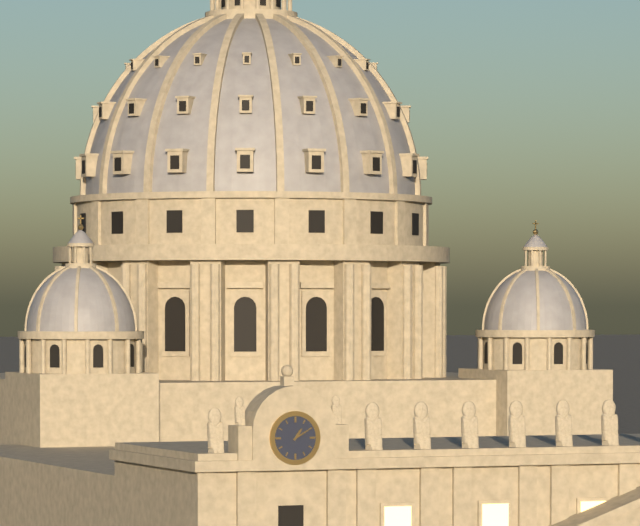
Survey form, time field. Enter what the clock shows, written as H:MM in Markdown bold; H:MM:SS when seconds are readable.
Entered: **1:10**
